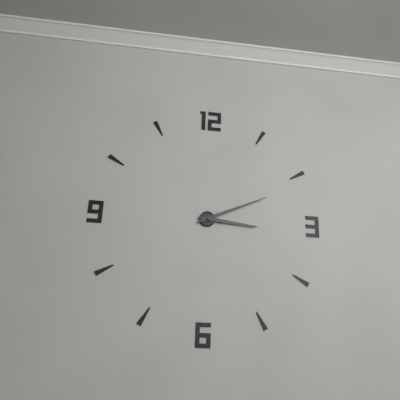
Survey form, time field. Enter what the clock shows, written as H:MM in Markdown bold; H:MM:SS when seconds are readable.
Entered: **3:11**
